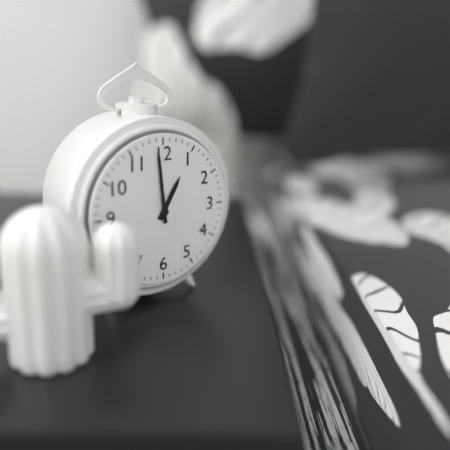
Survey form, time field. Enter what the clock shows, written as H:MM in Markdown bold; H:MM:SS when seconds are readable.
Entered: **12:59**
